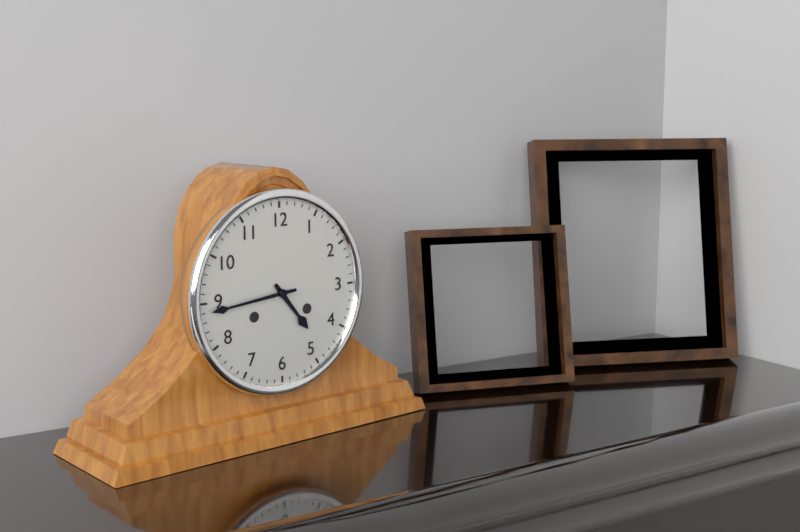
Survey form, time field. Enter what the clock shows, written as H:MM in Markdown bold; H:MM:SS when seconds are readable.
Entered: **4:44**
